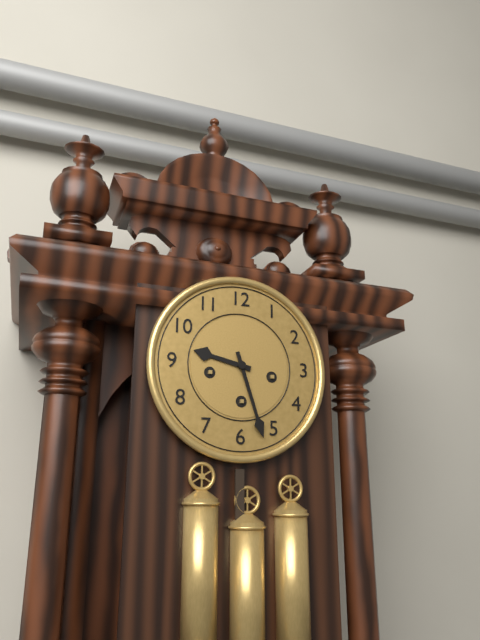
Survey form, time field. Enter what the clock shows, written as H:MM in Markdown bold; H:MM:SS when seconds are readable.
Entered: **9:27**
